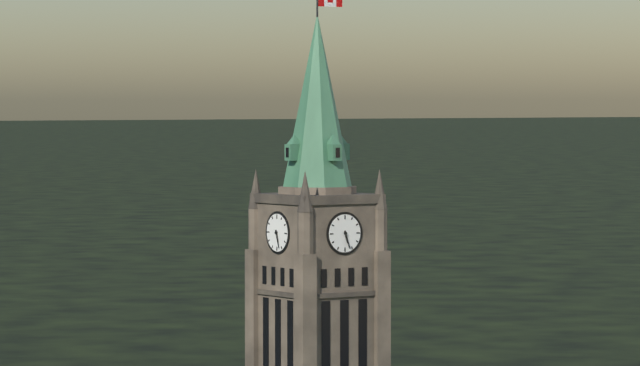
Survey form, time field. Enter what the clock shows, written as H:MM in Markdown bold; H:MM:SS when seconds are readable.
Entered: **5:27**
